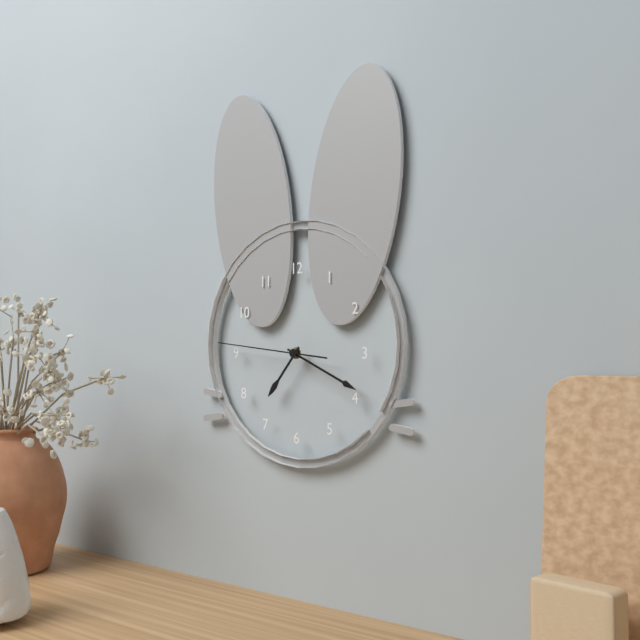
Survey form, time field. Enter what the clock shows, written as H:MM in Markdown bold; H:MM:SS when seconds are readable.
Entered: **7:19:46**
